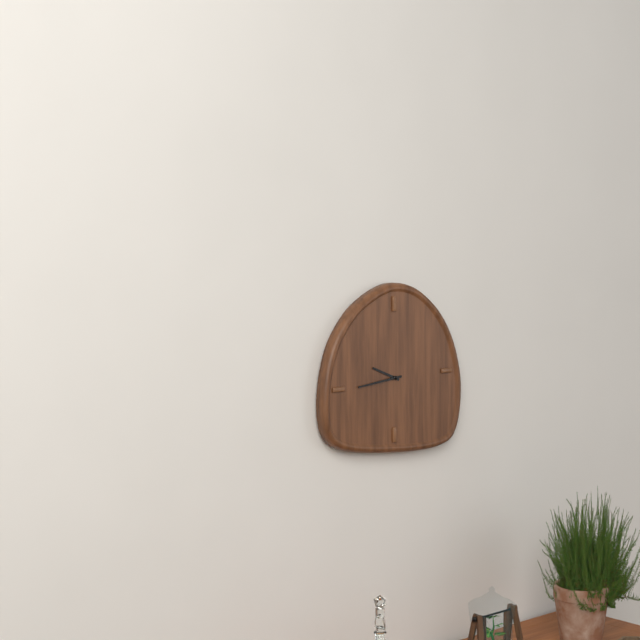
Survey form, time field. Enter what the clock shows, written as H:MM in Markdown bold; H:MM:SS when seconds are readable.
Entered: **9:44**
